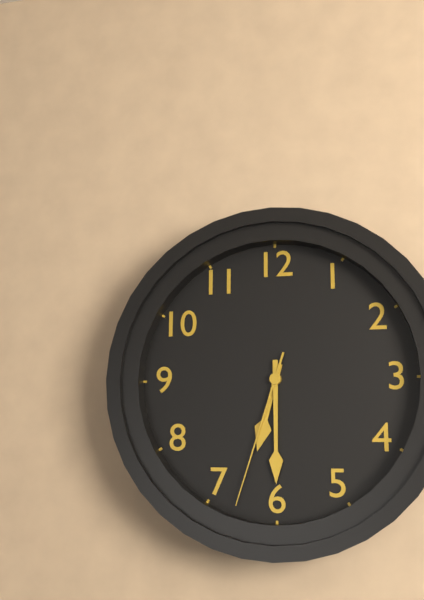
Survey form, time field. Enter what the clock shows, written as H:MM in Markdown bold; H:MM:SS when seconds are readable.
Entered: **6:30:33**
